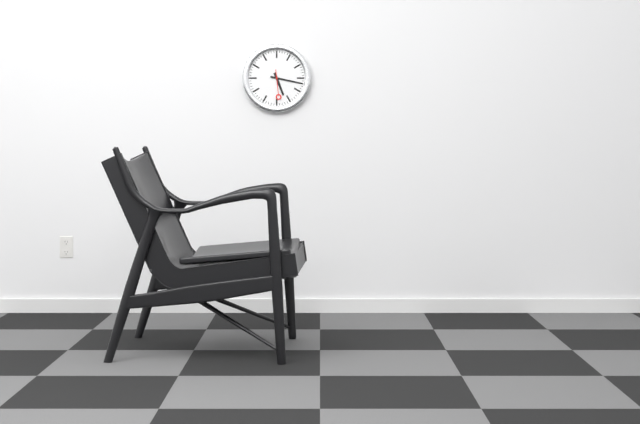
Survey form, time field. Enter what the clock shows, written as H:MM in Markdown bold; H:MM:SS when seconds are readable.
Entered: **5:17**
